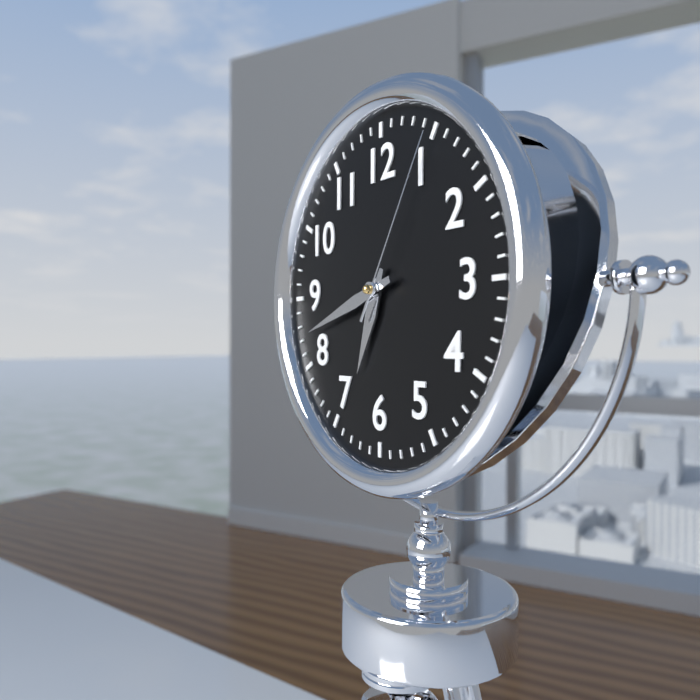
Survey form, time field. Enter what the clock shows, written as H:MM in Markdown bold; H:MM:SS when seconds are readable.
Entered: **6:42:05**
